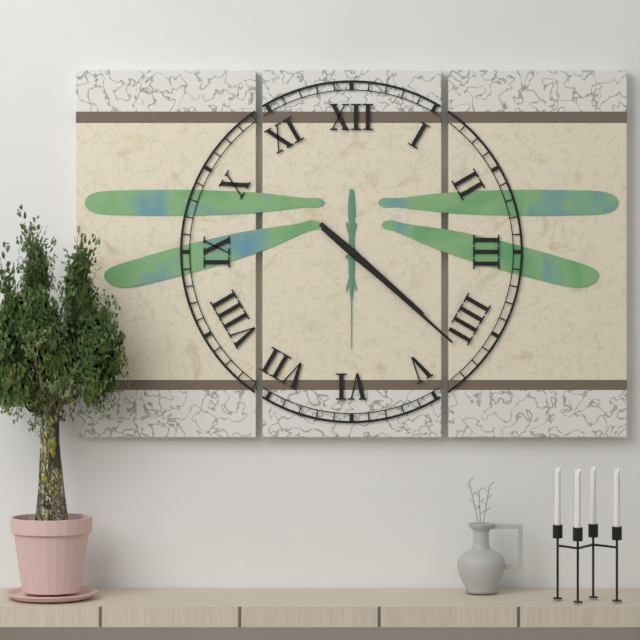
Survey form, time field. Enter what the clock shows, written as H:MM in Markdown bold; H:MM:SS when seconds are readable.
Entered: **4:22**
